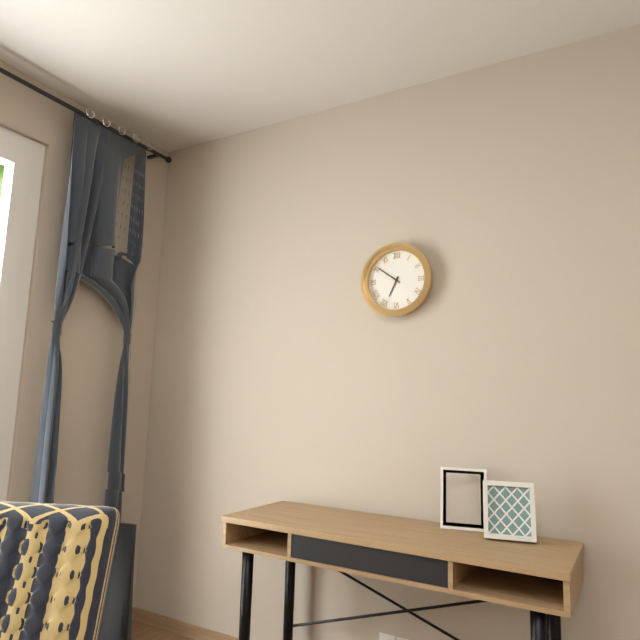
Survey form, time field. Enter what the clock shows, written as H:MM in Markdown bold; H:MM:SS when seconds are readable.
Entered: **6:51**
